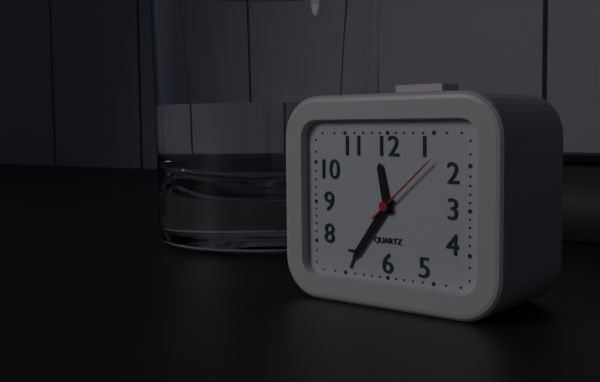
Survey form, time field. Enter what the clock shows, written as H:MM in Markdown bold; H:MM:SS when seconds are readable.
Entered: **11:36:08**
